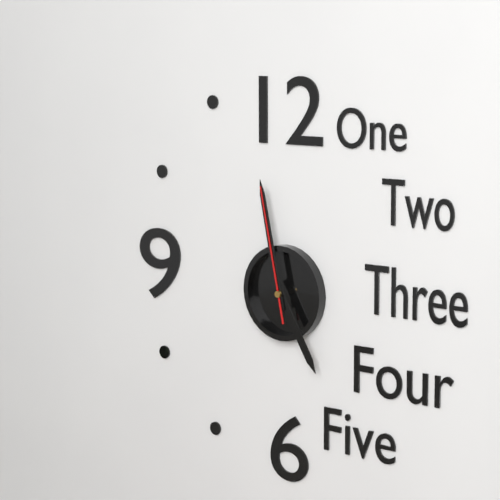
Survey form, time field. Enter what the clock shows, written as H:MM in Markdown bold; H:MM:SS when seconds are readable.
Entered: **4:58:58**
